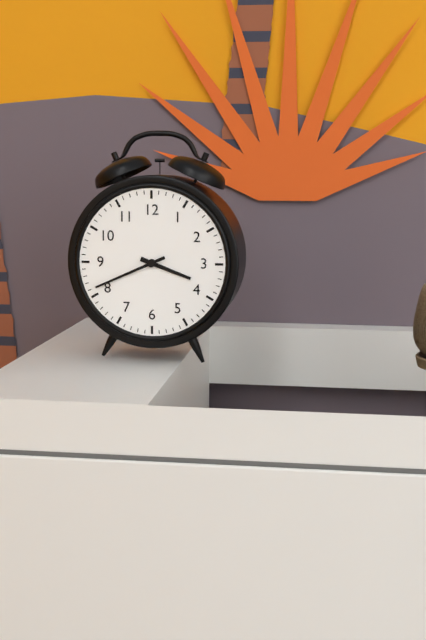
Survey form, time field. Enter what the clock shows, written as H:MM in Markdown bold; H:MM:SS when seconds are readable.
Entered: **3:41**
